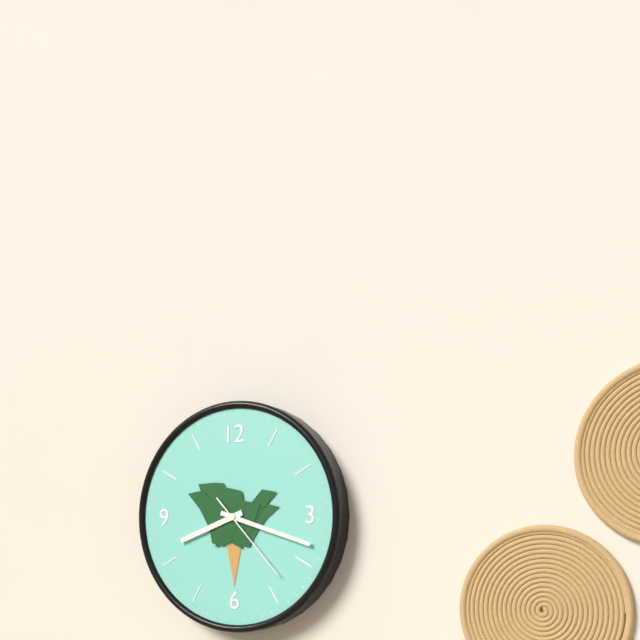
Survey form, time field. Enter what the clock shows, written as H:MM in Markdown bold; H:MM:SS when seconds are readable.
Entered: **8:18:23**
